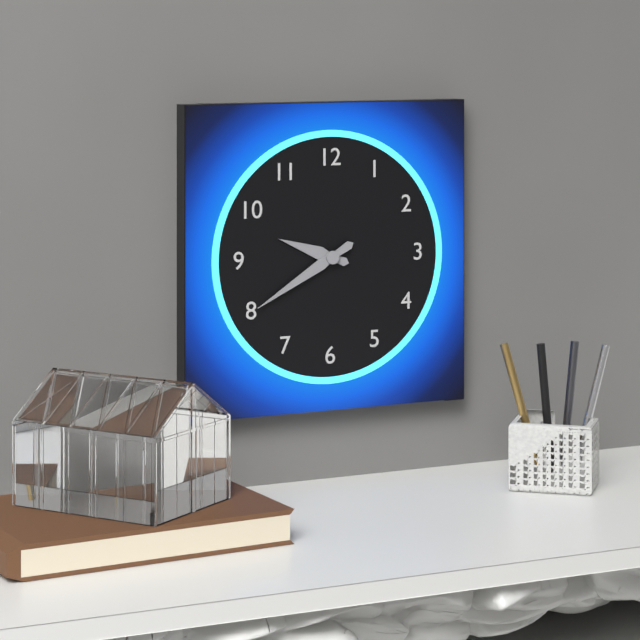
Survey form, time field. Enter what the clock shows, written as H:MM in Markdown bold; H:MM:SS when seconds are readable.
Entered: **9:40**
